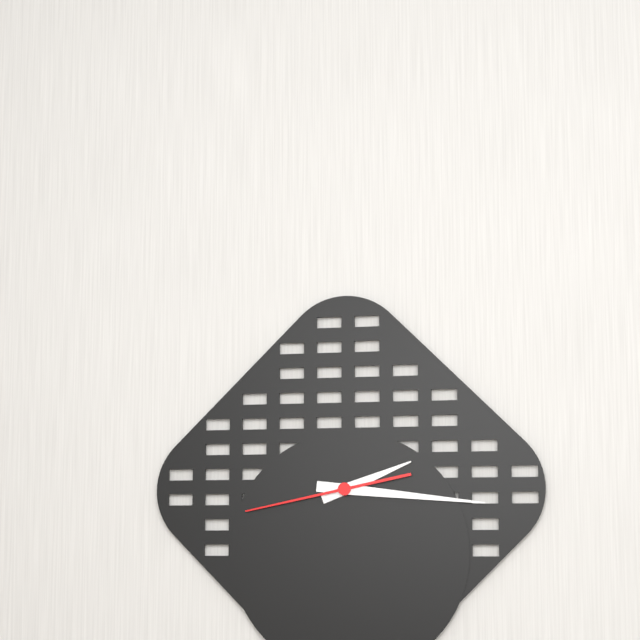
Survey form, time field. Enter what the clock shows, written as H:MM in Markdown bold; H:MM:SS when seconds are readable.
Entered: **2:16:43**
